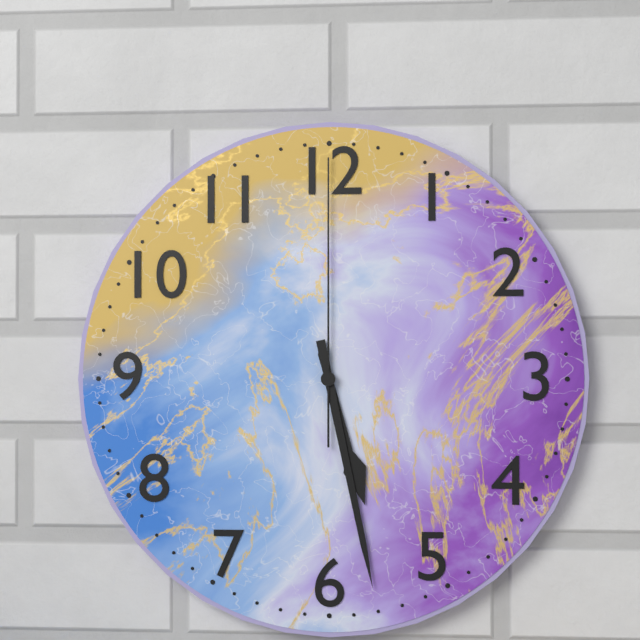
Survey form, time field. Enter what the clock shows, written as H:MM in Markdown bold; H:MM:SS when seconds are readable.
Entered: **5:28:00**
